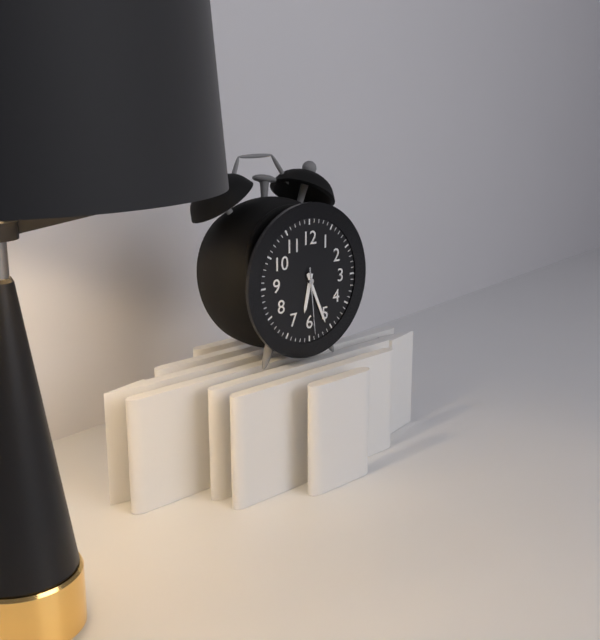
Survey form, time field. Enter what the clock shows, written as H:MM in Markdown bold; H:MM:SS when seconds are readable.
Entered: **6:26:29**
